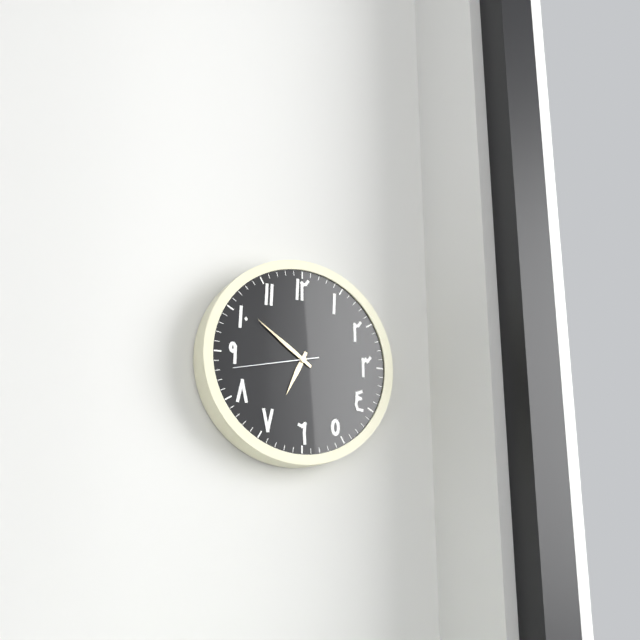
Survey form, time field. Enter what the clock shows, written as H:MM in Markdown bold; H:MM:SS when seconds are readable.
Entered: **6:51:43**
